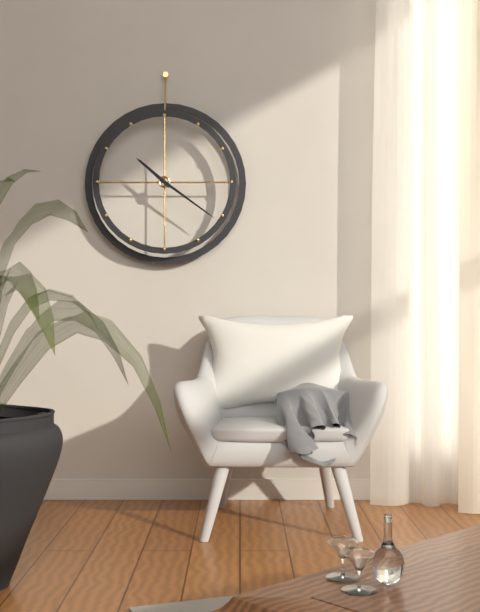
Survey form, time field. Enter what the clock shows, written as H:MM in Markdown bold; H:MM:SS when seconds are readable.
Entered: **10:21**
